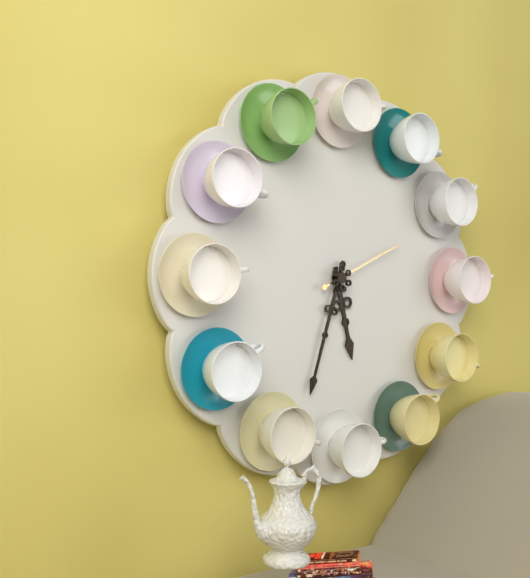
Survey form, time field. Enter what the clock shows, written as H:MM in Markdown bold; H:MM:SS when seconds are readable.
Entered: **5:33:11**
